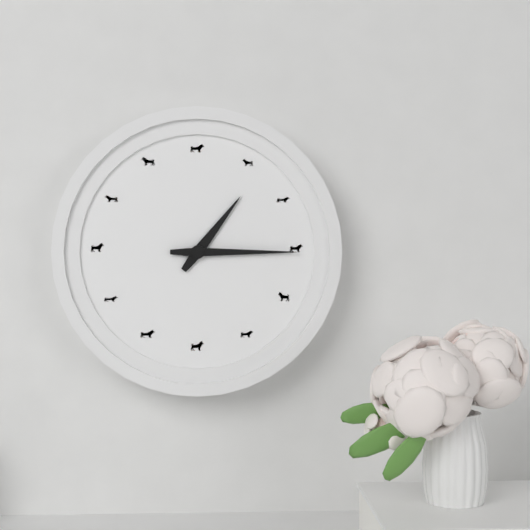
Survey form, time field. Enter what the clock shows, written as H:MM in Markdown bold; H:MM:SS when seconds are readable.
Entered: **1:15**
